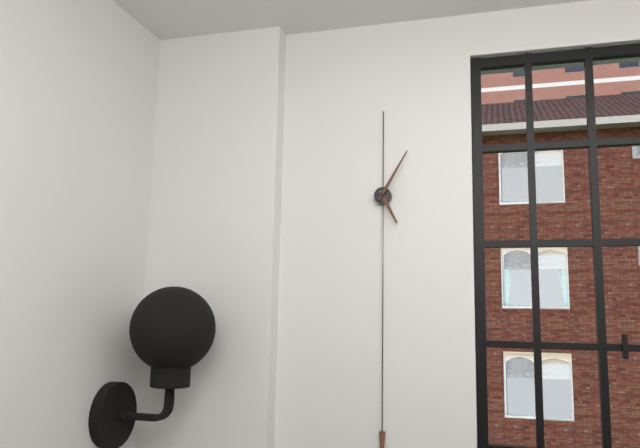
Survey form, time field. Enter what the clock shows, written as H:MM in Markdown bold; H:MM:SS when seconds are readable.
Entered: **5:05**
